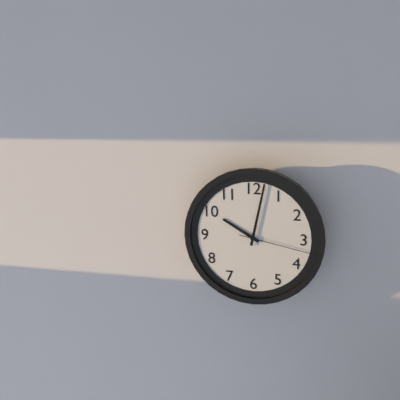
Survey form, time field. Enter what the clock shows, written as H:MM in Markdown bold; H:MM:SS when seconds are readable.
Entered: **10:02:17**
